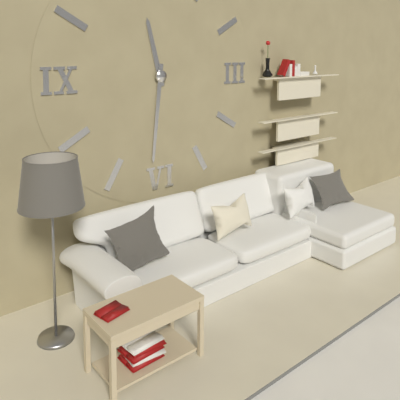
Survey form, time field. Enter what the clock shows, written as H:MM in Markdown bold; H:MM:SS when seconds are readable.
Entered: **11:31**
